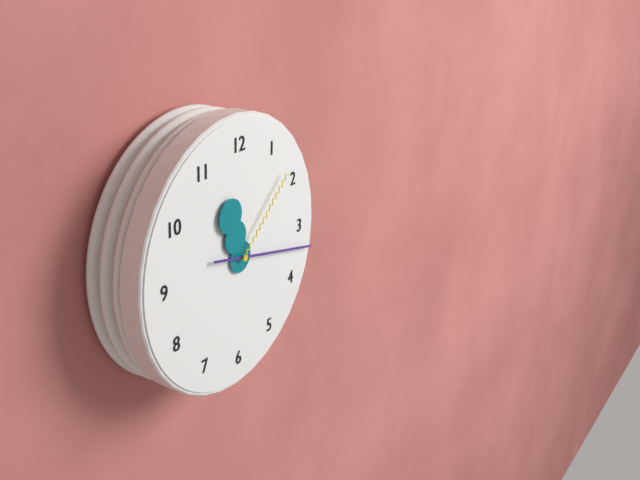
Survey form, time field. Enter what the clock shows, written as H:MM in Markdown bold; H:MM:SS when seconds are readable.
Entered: **11:17:08**
